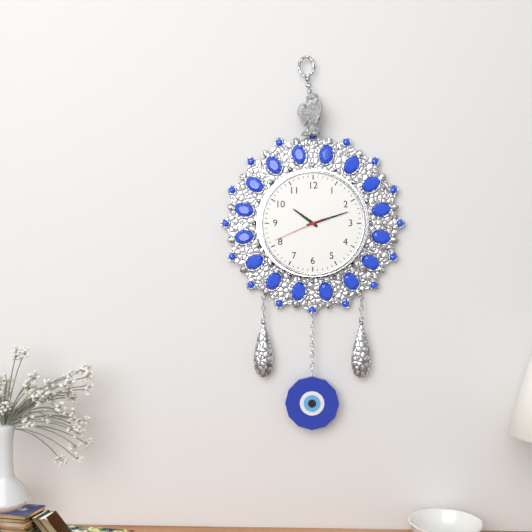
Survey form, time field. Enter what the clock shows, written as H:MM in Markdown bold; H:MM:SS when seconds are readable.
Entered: **10:12:41**
